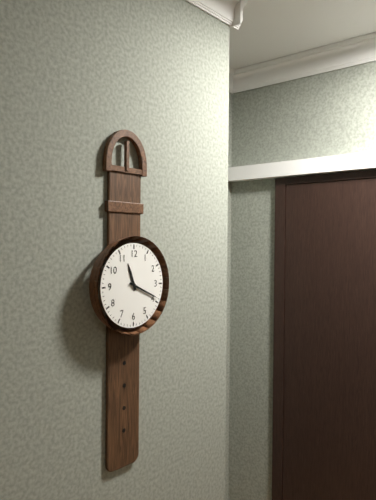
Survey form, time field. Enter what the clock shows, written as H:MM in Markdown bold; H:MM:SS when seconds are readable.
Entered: **11:19**
